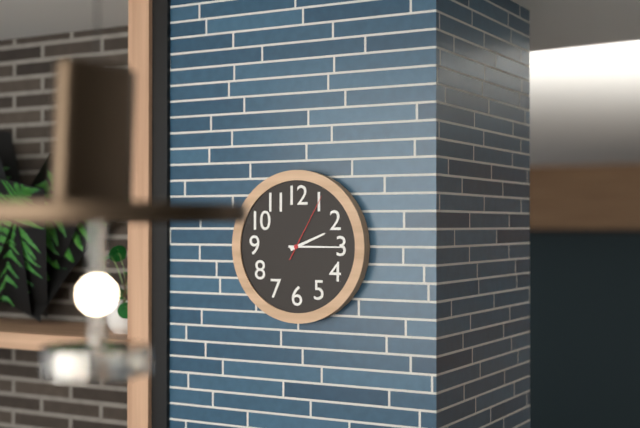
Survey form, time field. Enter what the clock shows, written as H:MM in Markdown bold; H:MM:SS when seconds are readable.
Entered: **2:15:05**
